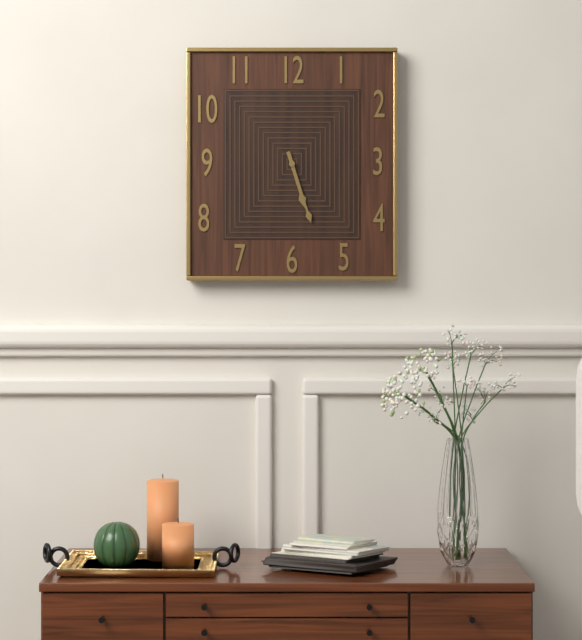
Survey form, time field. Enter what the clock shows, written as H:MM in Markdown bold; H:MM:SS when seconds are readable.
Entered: **5:27**
